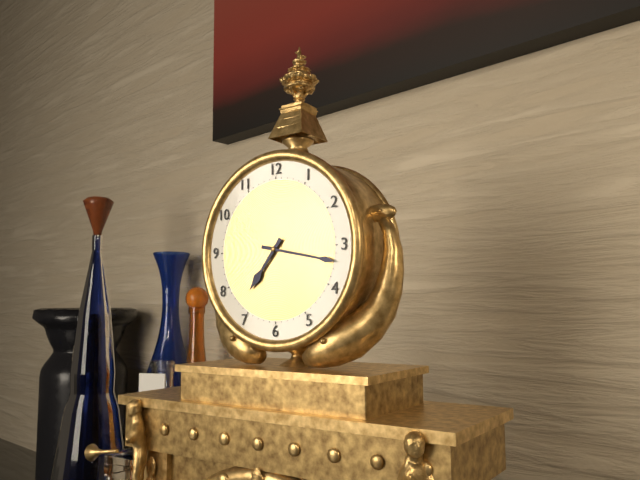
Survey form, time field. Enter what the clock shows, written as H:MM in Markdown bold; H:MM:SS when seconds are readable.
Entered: **7:17**
